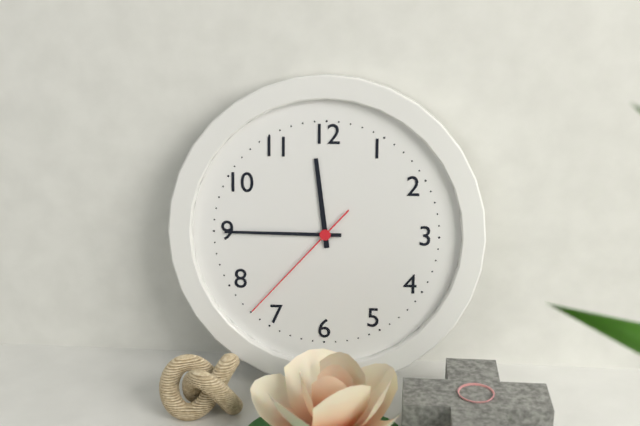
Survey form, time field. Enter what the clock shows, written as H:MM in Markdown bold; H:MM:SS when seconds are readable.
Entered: **11:45:37**
